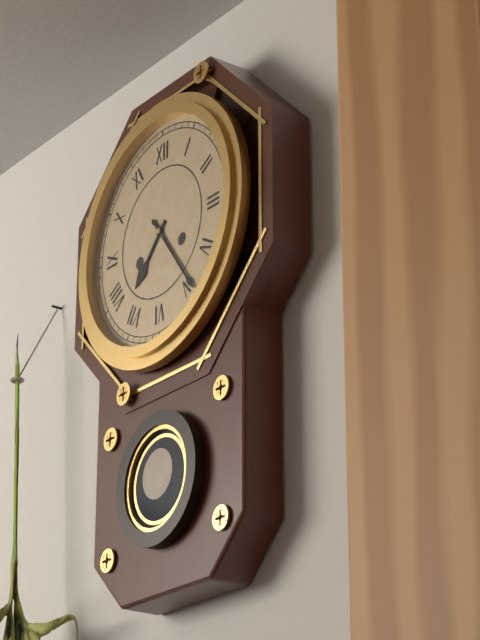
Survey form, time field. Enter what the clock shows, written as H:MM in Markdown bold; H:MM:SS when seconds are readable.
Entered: **7:24**
